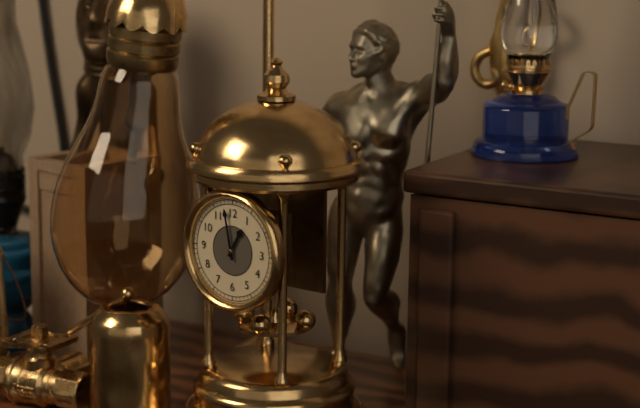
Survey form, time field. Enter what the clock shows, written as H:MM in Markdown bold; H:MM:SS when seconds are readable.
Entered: **12:58**
